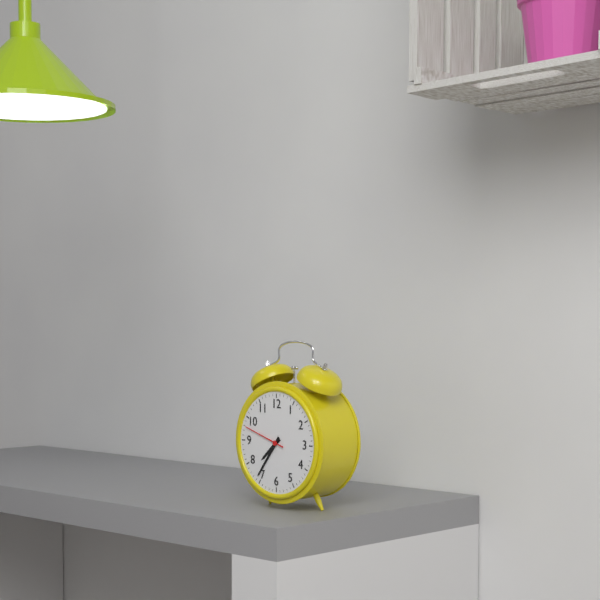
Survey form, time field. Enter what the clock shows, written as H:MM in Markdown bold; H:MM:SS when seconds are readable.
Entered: **7:36**
